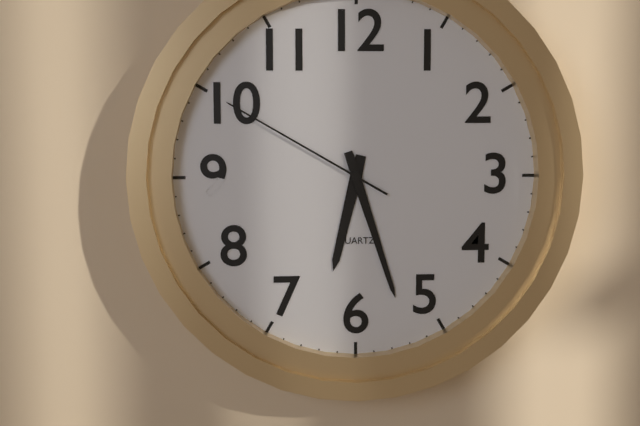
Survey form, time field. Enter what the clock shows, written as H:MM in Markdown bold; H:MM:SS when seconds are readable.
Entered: **6:27:50**
